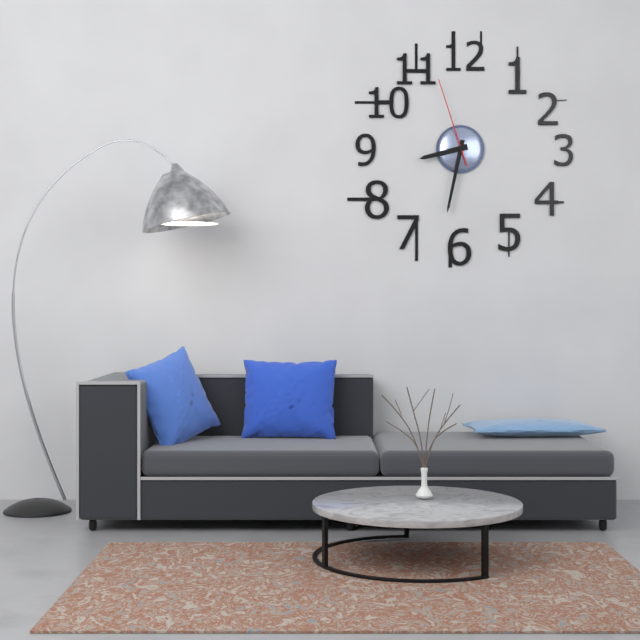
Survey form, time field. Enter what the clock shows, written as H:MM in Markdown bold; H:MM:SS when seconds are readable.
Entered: **8:32:57**
